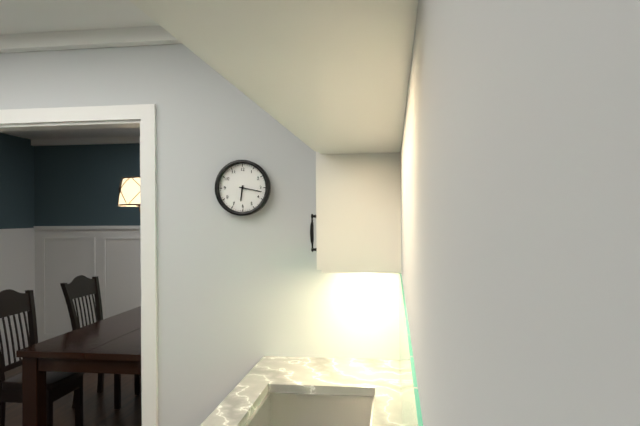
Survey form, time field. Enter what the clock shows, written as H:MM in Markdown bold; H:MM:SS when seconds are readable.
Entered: **6:17**
